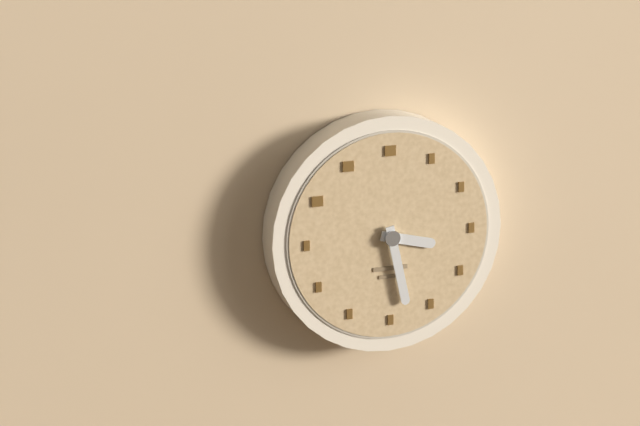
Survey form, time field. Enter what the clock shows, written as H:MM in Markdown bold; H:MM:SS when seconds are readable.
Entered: **3:28**
